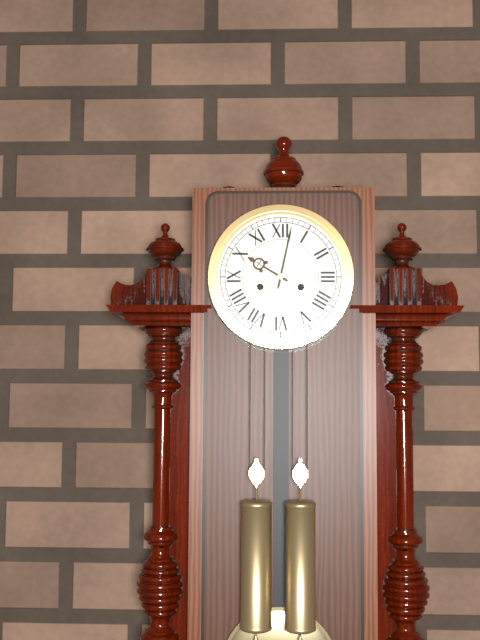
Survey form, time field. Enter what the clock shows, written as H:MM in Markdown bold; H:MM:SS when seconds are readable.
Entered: **10:02**
